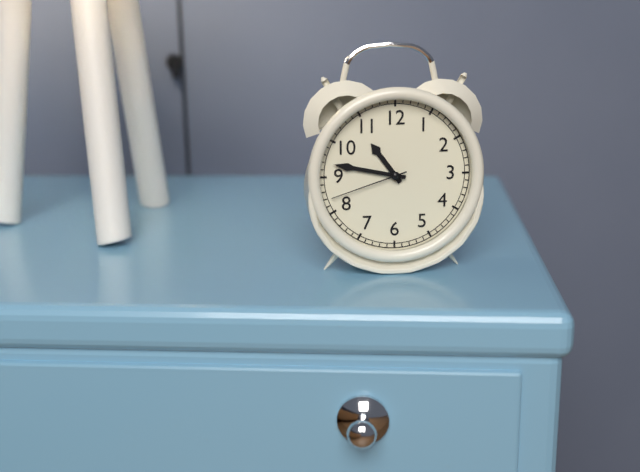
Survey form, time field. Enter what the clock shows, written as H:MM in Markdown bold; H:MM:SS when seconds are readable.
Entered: **10:47:42**
